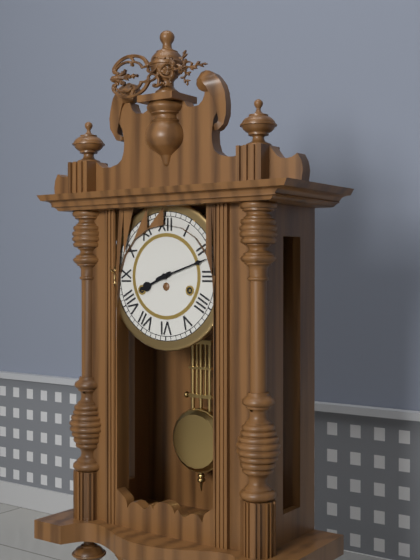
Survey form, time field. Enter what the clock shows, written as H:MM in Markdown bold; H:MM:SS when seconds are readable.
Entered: **8:12**
